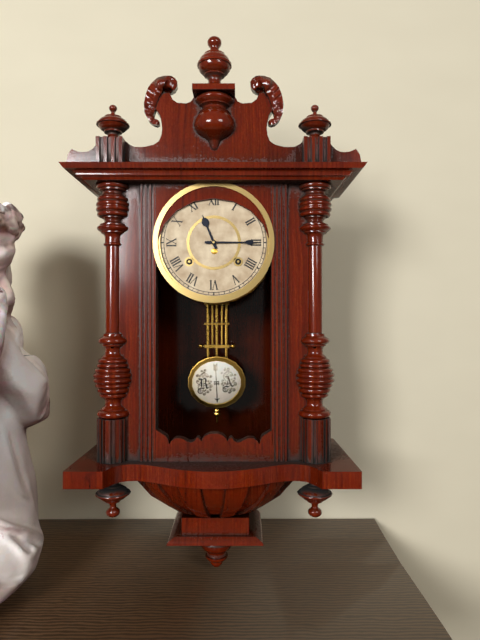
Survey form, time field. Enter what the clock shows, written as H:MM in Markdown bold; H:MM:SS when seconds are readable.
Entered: **11:15**
